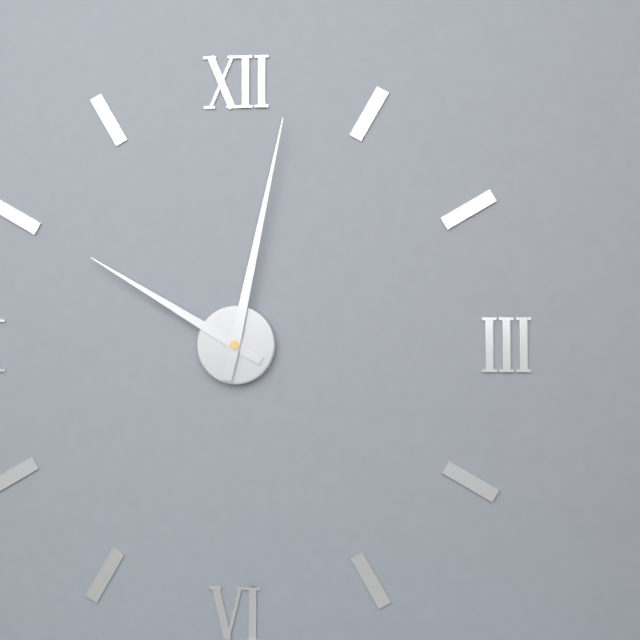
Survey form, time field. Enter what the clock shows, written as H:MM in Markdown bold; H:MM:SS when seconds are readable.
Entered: **10:02**
